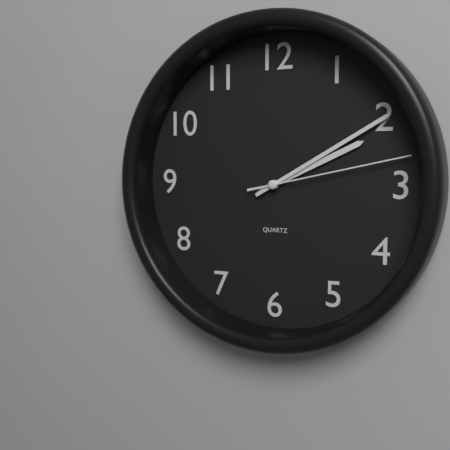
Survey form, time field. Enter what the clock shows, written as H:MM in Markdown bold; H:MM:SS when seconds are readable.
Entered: **2:10:13**
